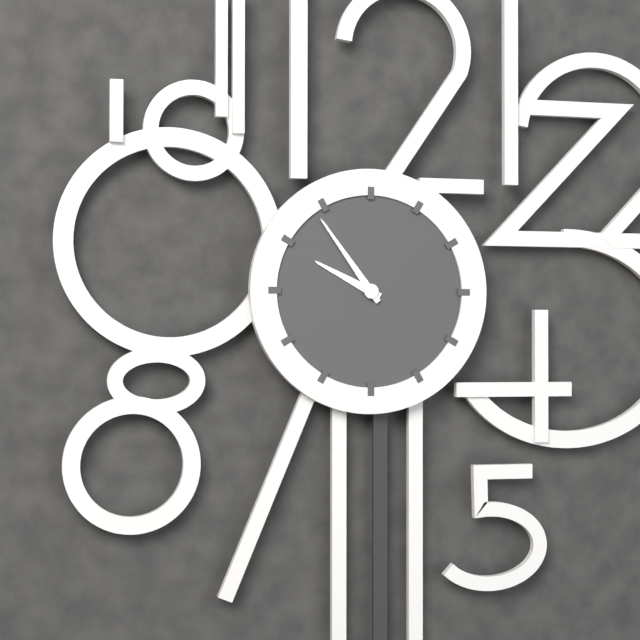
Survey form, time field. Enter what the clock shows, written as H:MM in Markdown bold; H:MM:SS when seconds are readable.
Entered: **9:54**
